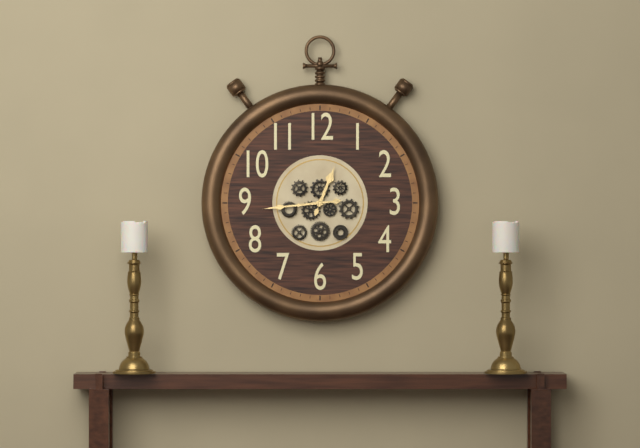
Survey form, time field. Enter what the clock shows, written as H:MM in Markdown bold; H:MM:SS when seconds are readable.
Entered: **12:44**
